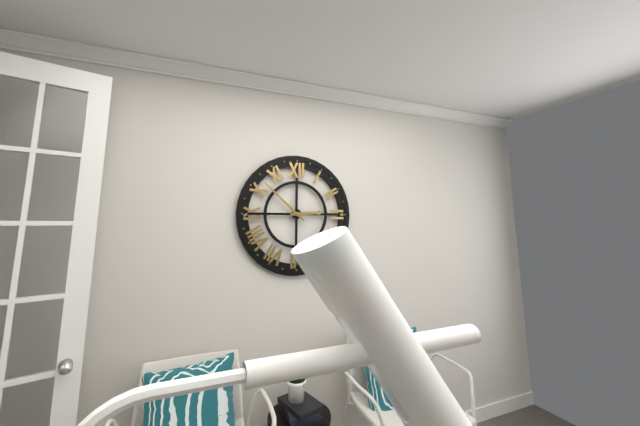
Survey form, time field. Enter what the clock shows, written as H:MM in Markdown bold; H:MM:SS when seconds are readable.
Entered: **2:52**
